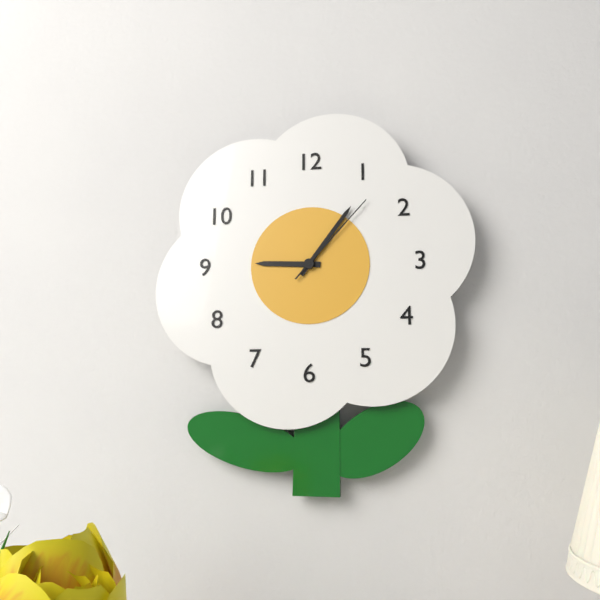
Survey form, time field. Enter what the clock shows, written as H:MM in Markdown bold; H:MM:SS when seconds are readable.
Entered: **9:06:07**
